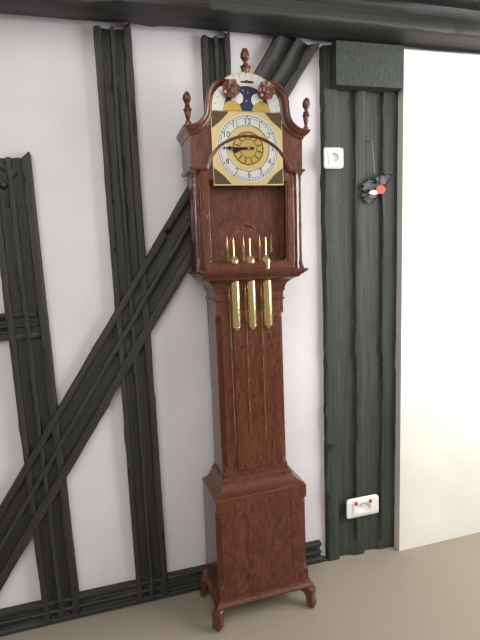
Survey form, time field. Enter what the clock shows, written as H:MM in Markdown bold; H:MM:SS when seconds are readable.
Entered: **8:45**
